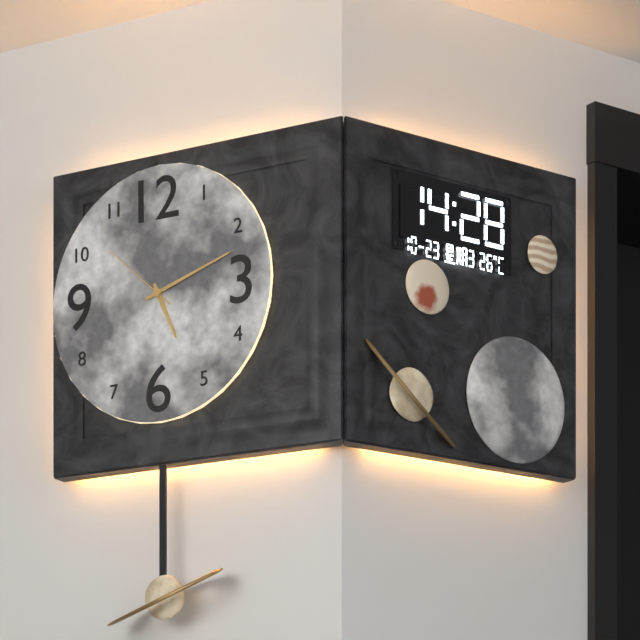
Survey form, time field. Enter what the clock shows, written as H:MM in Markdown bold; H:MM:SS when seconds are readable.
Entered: **5:12:52**
